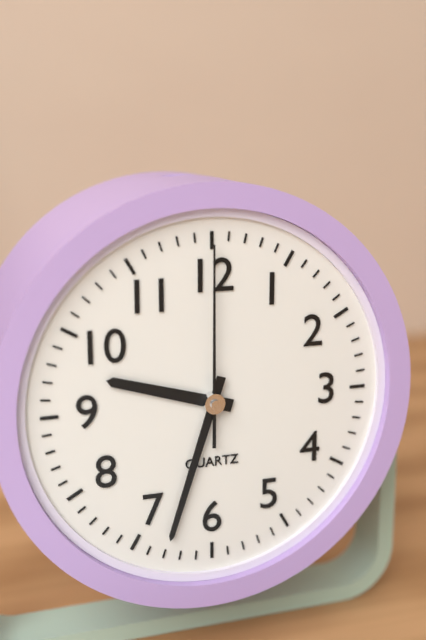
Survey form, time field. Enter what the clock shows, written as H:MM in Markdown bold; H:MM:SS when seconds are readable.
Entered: **9:33:00**
